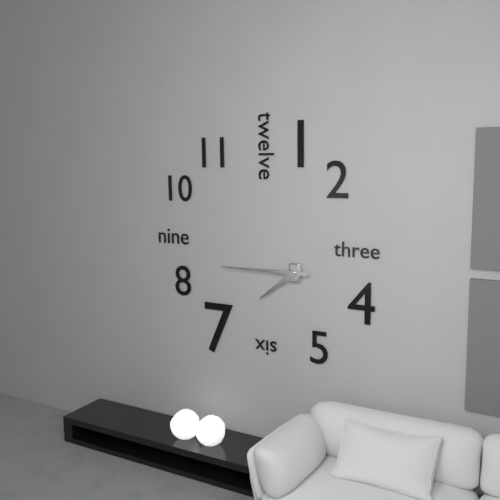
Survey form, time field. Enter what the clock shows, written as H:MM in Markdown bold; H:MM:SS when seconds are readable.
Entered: **7:45**
